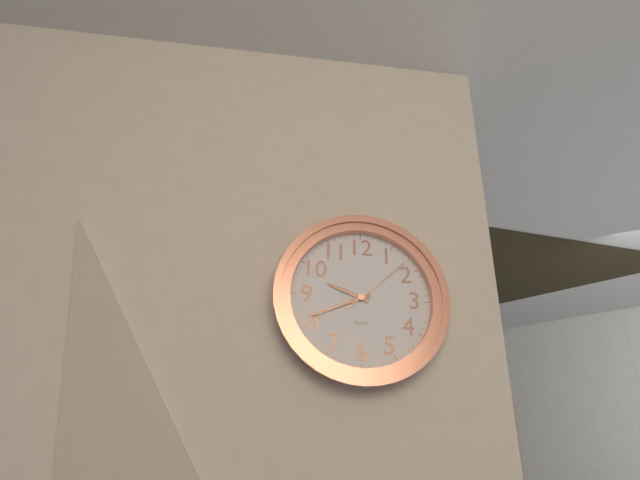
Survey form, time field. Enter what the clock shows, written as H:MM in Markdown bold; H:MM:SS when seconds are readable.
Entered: **9:41:08**
